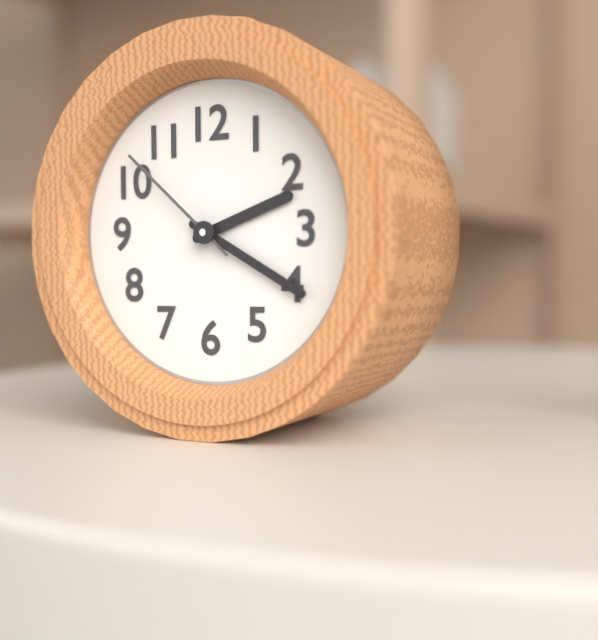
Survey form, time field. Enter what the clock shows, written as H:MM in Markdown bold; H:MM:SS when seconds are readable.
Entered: **2:20:52**
